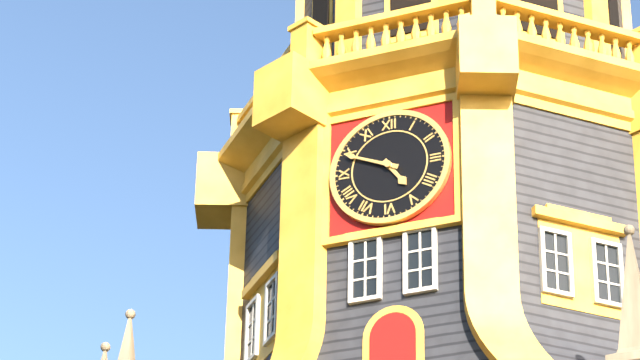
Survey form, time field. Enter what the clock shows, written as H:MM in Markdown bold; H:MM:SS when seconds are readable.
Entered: **4:49**
